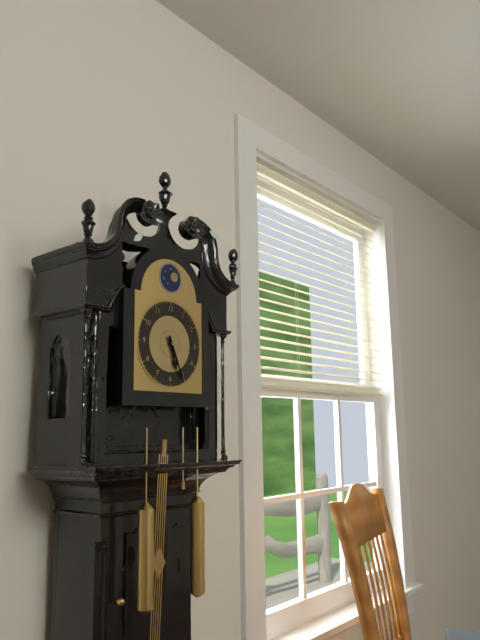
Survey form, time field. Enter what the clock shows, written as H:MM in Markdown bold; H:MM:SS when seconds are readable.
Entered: **5:26**
